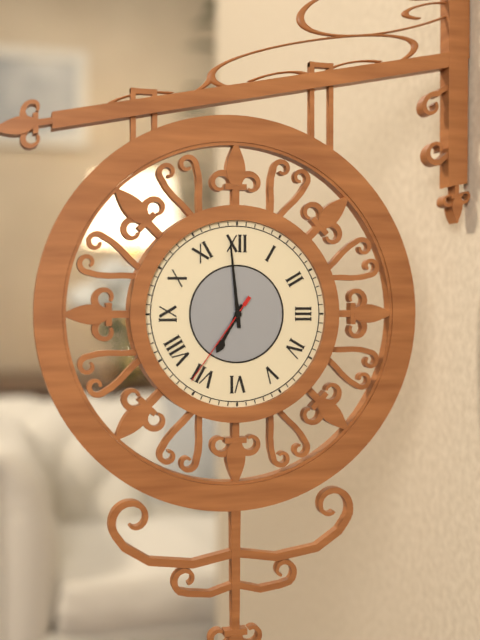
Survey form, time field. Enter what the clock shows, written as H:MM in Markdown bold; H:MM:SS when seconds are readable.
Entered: **6:59:36**
